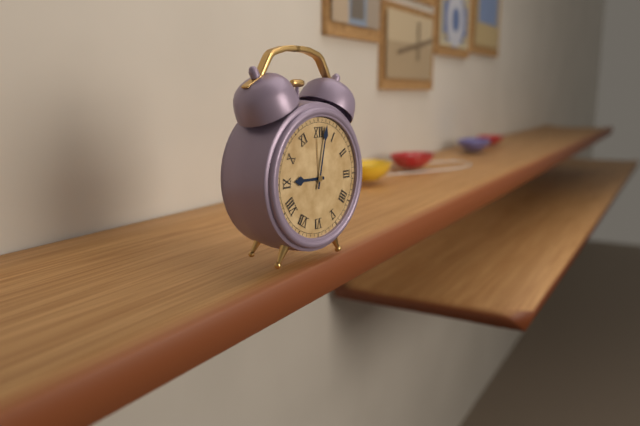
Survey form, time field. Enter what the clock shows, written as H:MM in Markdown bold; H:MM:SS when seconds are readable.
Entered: **9:02**
